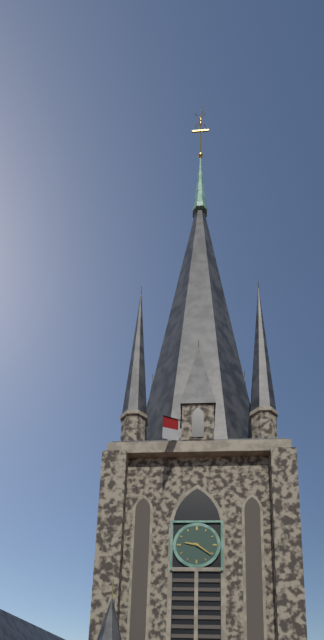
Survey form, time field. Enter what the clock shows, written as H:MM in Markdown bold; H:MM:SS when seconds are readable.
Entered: **9:21**
